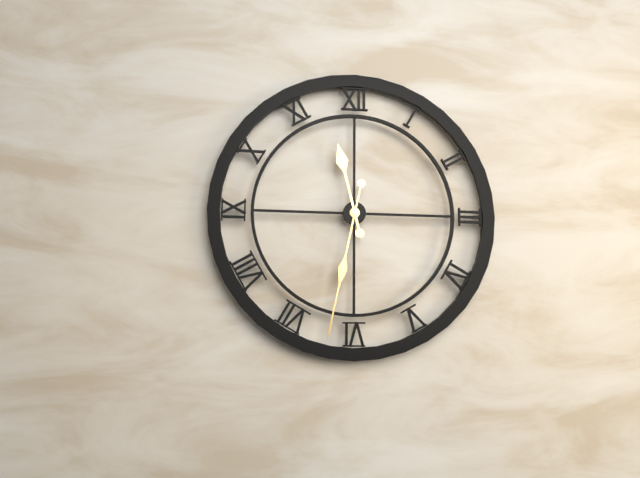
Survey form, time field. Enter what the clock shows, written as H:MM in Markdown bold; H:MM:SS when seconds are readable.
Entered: **11:32**
